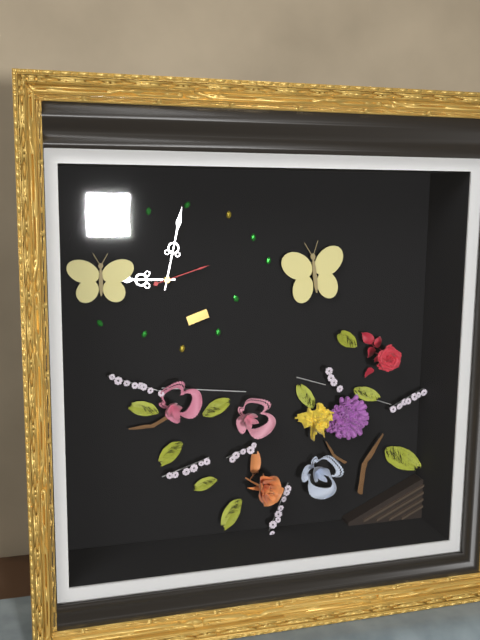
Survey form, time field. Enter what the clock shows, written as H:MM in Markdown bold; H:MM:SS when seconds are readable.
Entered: **9:02:12**
